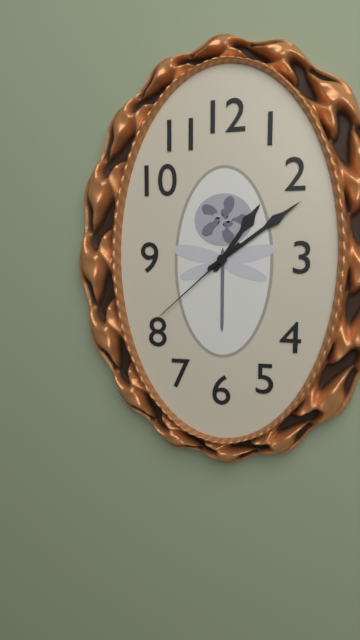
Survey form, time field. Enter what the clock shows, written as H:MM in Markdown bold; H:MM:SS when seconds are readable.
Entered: **1:09:38**
